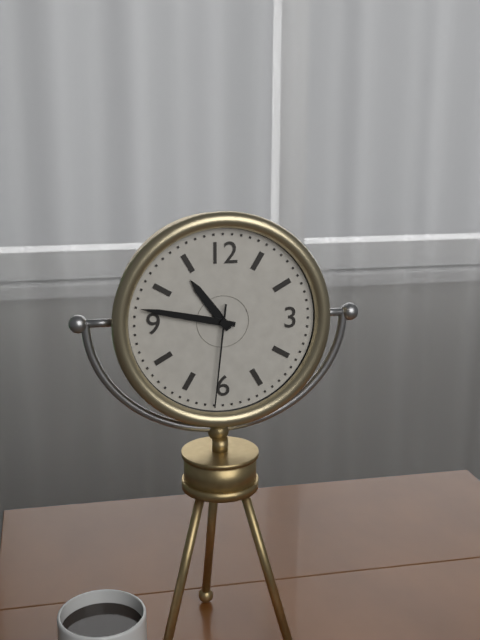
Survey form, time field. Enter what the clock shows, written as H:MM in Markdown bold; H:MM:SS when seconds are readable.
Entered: **10:47:31**
